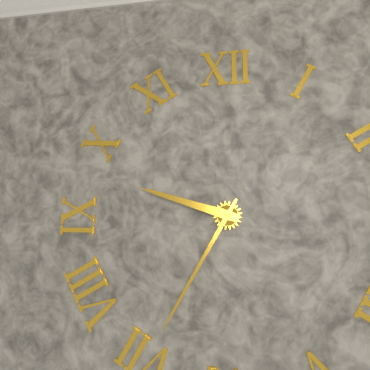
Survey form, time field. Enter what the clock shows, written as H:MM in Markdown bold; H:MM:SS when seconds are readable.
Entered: **9:35**
